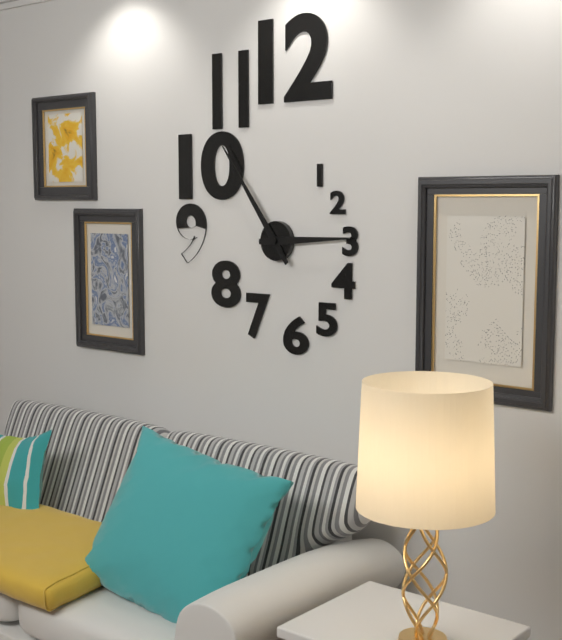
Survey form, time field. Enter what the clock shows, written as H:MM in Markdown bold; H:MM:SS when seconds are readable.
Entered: **2:54**
